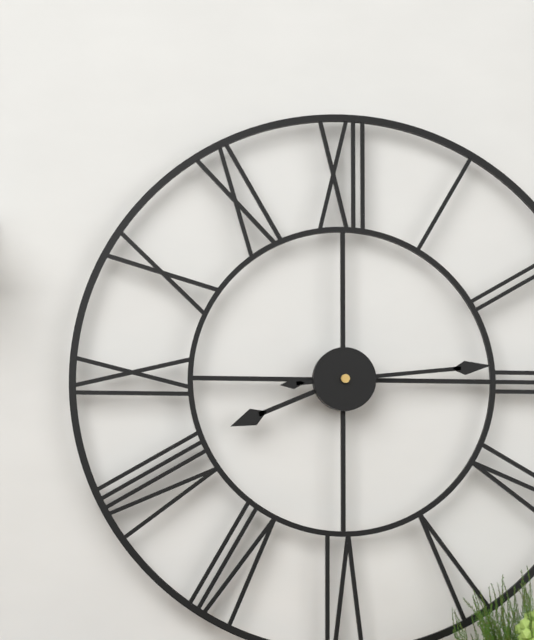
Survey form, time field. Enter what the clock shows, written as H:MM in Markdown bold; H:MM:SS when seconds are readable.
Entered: **8:14**
